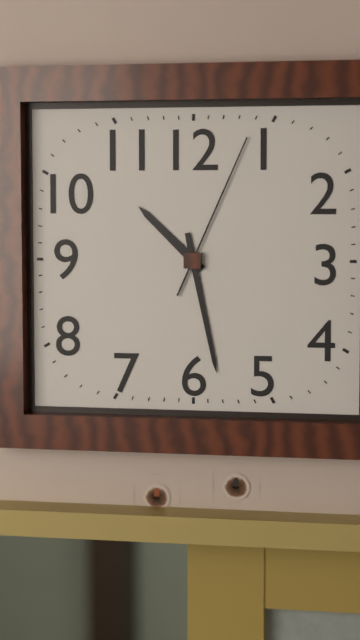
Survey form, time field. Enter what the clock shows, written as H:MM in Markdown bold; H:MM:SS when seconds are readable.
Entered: **10:28:04**
